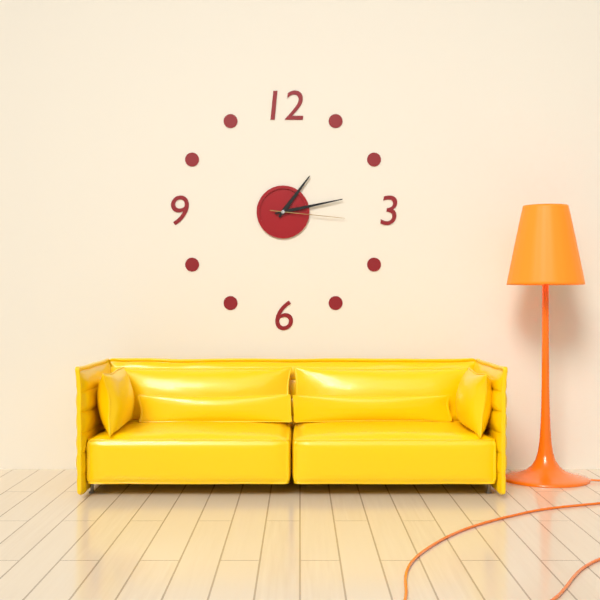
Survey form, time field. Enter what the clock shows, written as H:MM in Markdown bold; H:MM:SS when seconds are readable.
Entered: **1:13:16**
